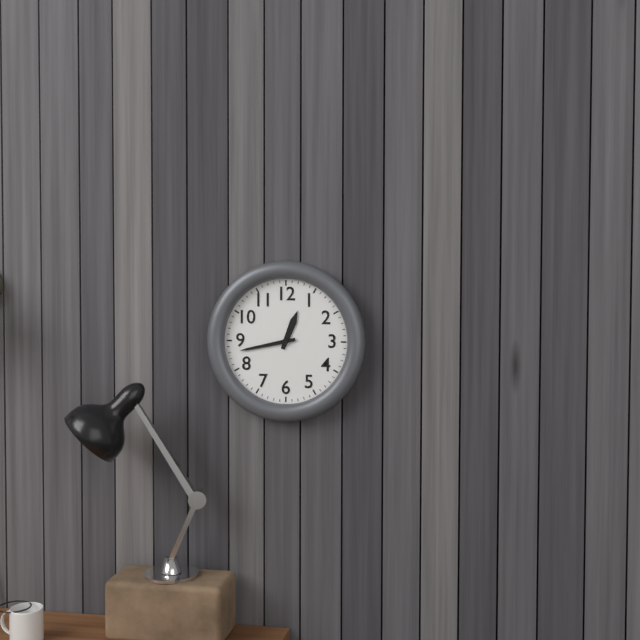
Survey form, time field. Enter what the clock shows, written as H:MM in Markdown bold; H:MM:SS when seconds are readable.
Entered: **12:43**
